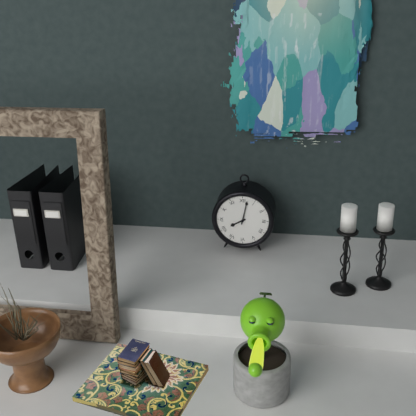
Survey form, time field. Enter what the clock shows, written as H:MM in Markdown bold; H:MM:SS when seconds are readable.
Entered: **8:02**
